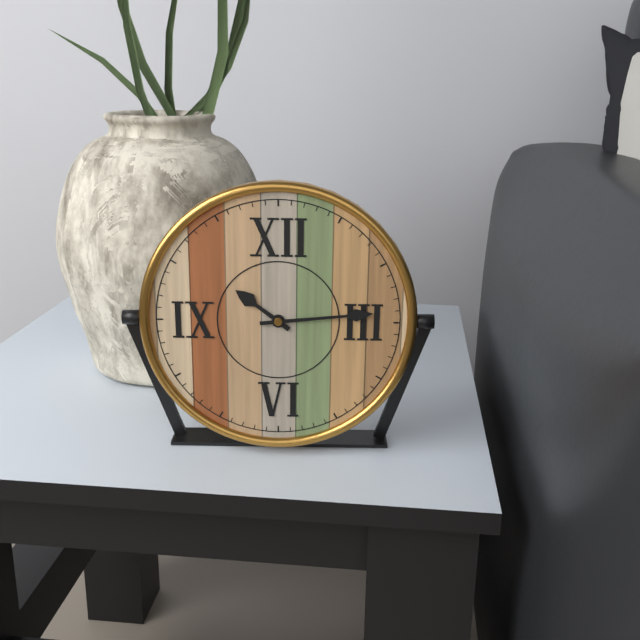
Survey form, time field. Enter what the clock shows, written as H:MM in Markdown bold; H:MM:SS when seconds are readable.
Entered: **10:14**
